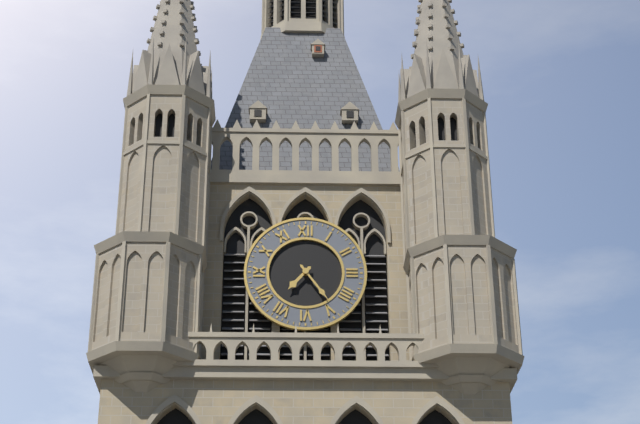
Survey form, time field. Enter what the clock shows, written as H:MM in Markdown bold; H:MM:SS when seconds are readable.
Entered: **7:24**
